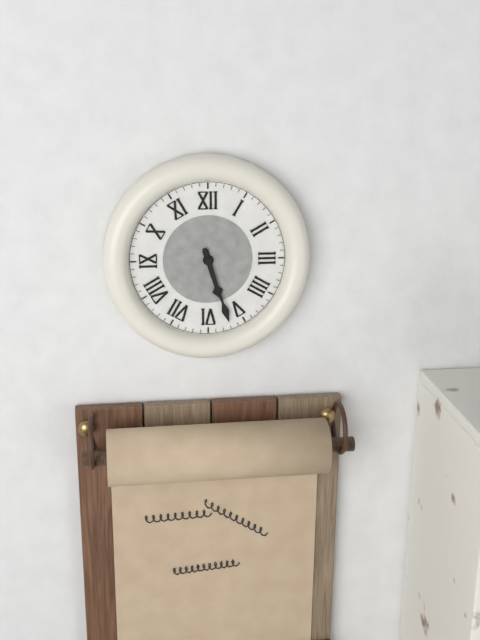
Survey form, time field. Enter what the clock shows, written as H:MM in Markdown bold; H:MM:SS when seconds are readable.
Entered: **5:27**
